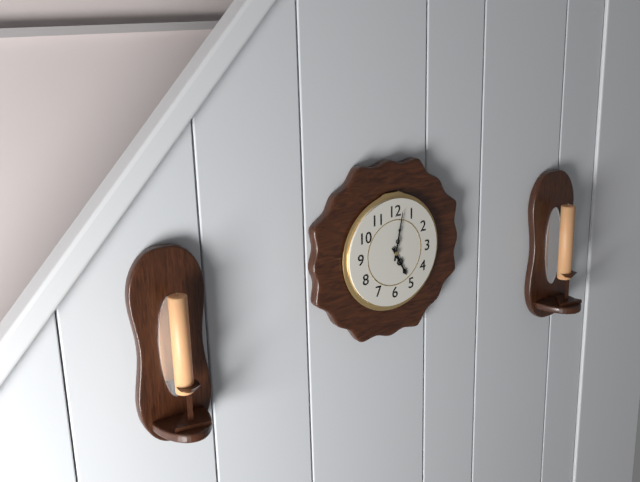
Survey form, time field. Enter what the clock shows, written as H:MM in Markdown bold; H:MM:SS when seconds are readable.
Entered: **5:02**
